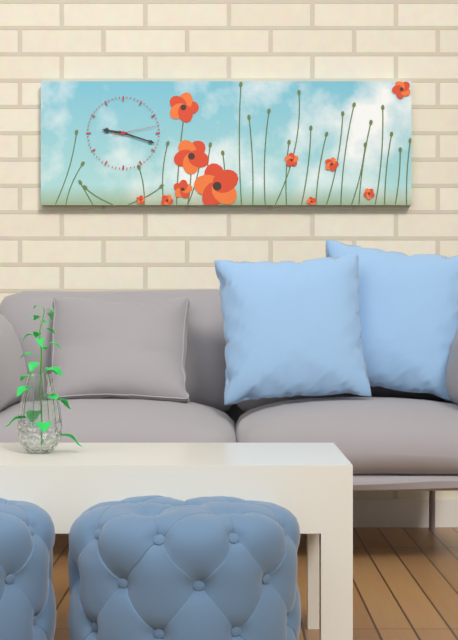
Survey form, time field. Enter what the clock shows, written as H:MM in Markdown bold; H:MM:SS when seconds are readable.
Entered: **9:18**
